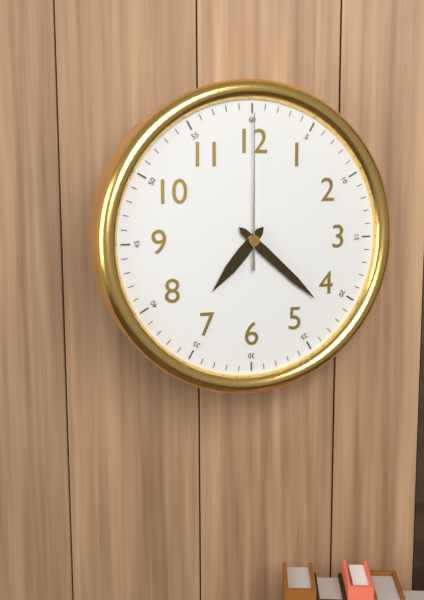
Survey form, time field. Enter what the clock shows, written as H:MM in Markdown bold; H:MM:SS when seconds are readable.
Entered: **7:22:00**
